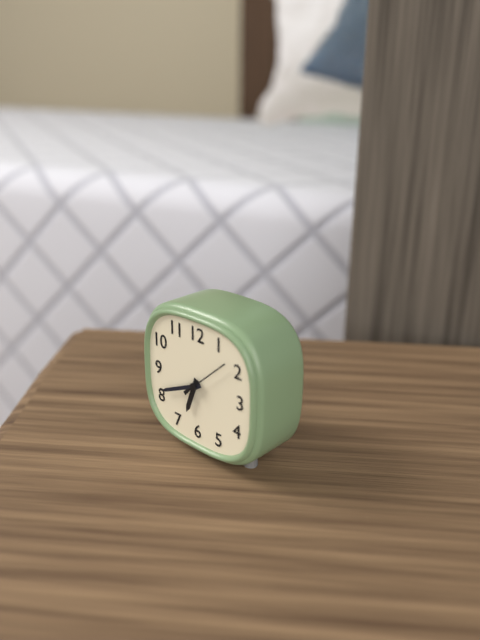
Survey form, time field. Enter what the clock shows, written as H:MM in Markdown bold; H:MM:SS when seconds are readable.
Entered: **6:41**
